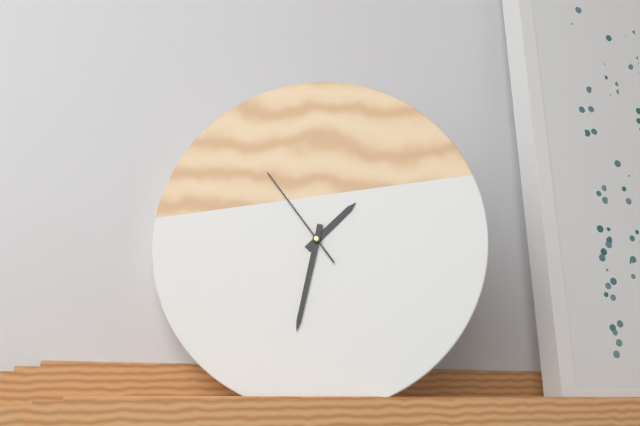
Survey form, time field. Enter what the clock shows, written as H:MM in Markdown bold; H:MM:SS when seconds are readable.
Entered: **1:32:54**
